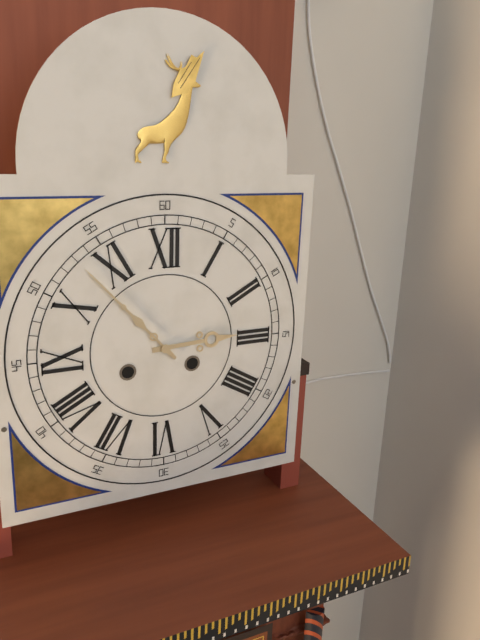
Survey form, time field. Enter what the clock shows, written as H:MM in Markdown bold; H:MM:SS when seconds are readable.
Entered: **2:53**
